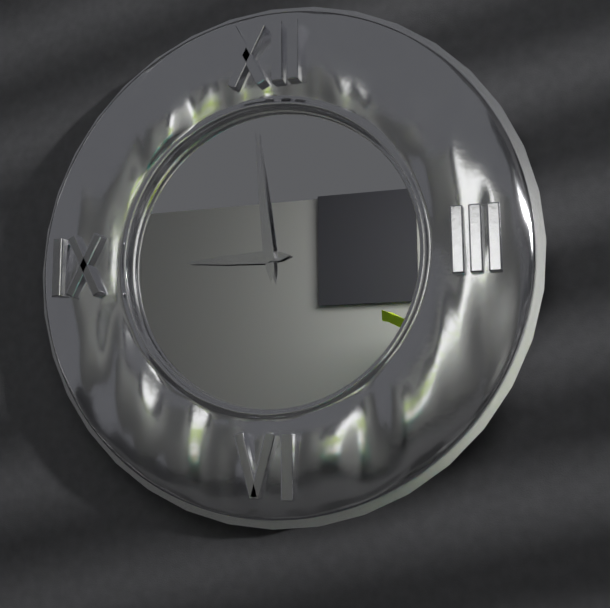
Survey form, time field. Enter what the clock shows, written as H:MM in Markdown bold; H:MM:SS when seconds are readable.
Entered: **8:59**
